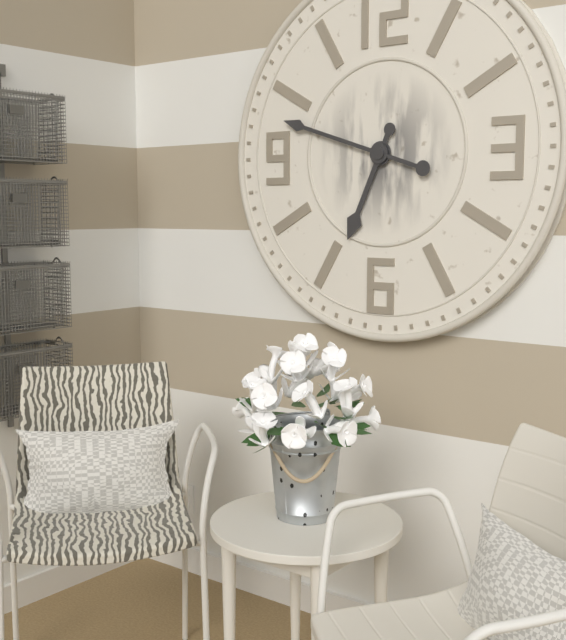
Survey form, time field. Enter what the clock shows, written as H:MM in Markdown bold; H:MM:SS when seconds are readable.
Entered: **6:48**
